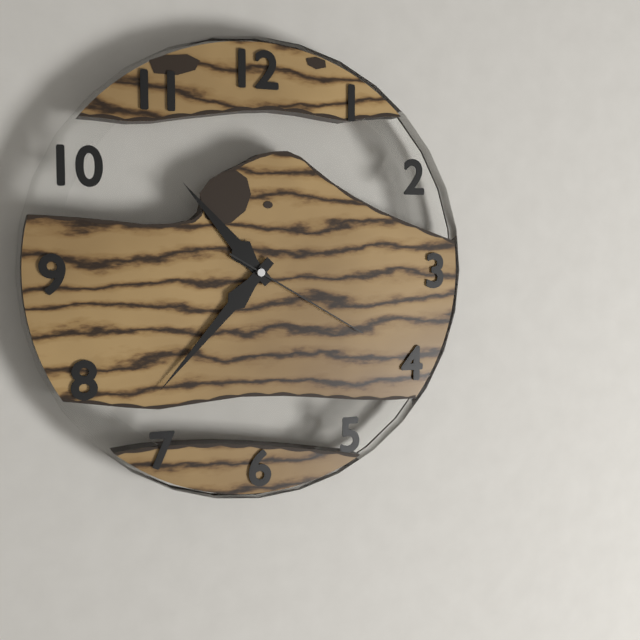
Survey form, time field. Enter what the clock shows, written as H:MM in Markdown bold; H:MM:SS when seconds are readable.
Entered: **10:37:20**
